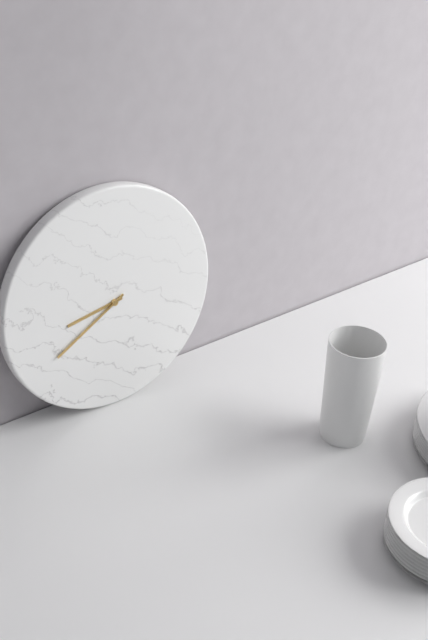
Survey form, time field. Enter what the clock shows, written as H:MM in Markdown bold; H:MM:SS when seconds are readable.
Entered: **8:40**
